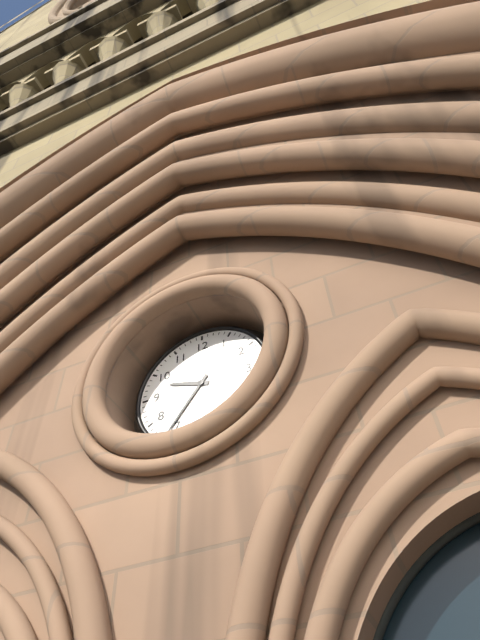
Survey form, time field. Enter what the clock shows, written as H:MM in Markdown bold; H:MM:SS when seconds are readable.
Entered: **9:36**
